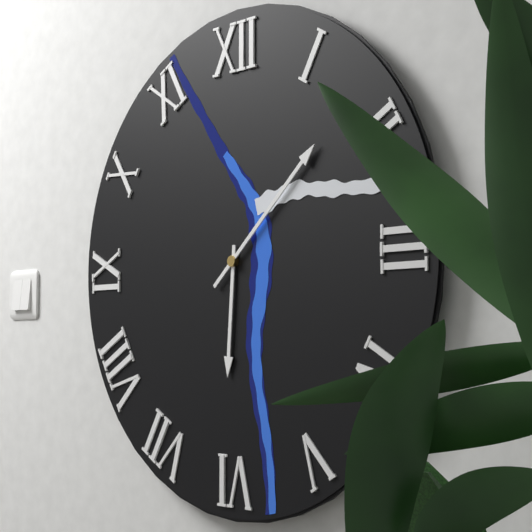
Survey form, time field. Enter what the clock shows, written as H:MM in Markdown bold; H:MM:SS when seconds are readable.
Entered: **6:08**
